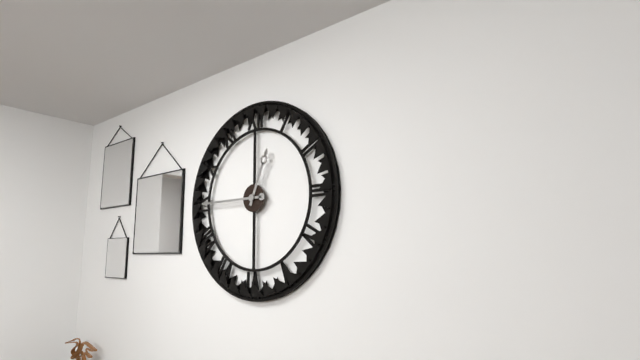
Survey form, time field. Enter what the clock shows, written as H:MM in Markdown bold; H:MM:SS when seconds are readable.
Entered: **12:45**
